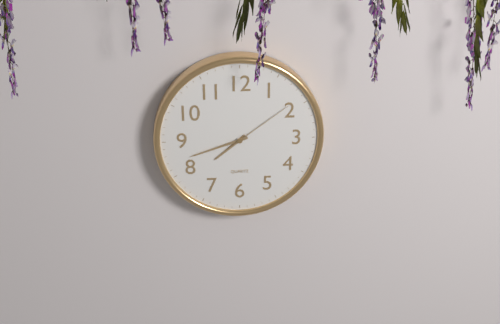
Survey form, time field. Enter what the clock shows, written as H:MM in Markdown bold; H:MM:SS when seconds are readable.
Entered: **7:42:09**
